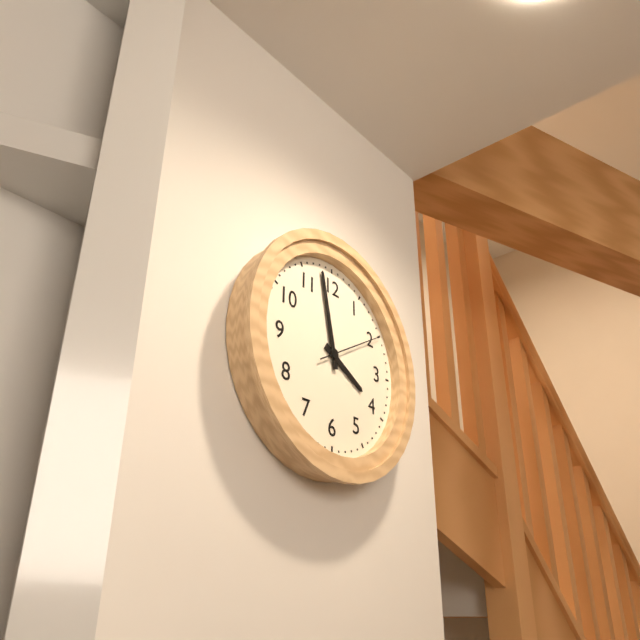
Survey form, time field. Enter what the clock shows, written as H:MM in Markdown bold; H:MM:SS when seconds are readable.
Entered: **3:58:10**
